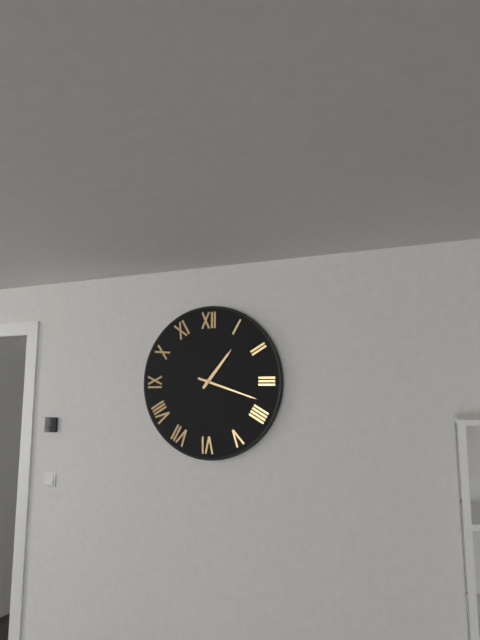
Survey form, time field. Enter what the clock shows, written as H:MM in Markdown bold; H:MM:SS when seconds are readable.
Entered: **1:18**
